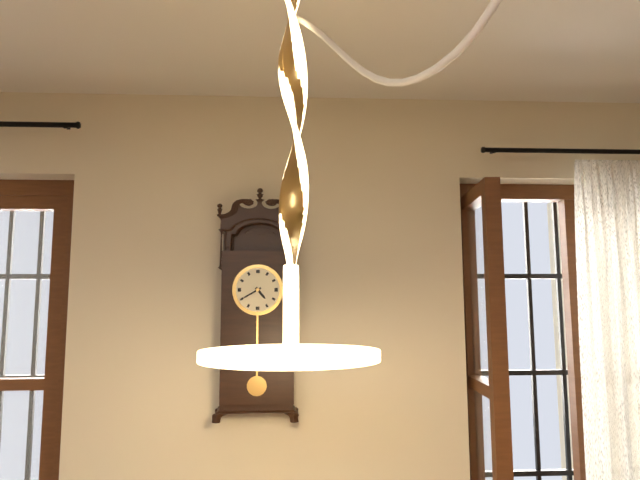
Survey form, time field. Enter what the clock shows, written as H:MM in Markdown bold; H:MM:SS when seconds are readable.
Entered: **4:40**
